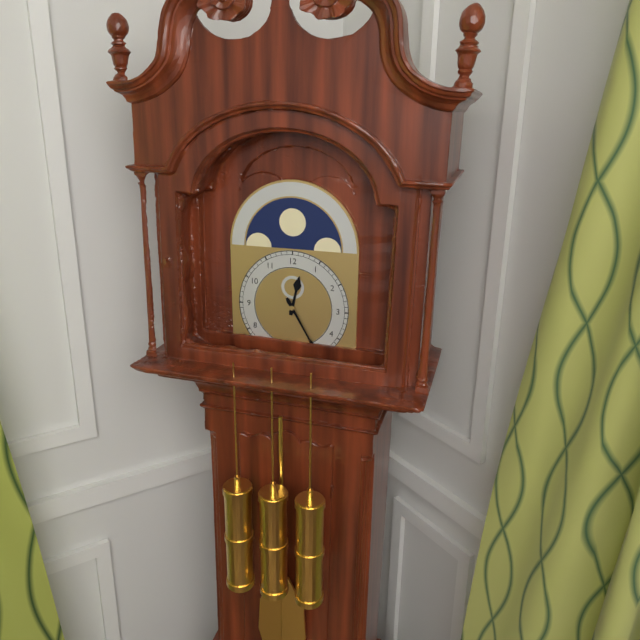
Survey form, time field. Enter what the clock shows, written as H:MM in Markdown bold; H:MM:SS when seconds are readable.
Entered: **12:25**
